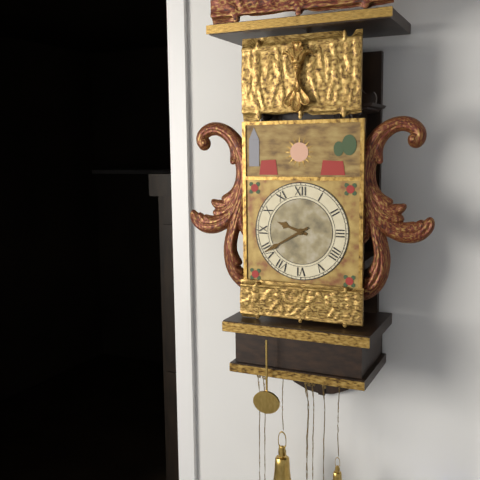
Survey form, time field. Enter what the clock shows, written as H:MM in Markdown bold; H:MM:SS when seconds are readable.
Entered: **9:40**
